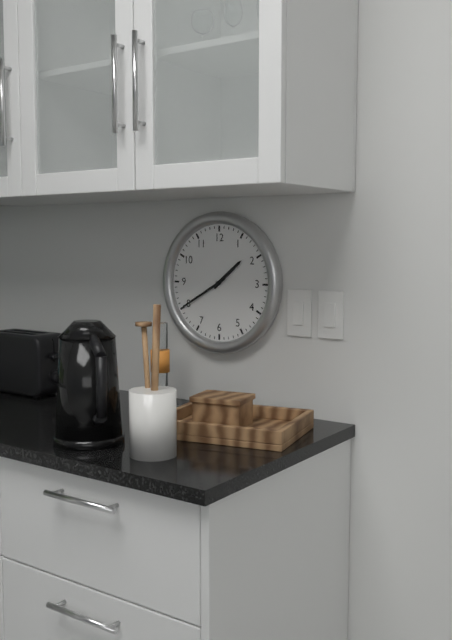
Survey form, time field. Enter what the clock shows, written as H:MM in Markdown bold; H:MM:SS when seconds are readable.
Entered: **1:40**
